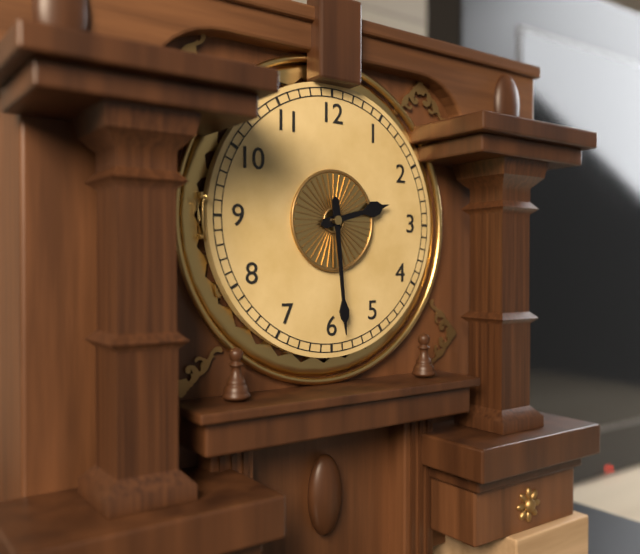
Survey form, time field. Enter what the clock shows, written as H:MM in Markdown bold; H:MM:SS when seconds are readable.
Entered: **2:29**
